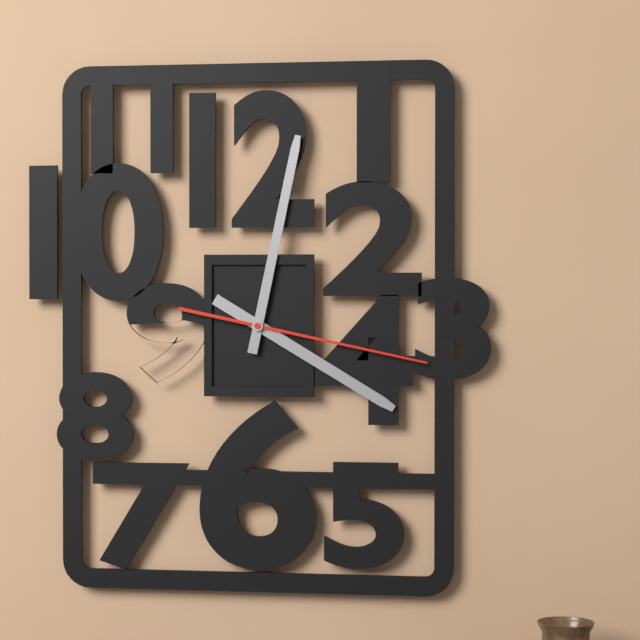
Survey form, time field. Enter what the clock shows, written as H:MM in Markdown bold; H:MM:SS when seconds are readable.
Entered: **4:02:17**
